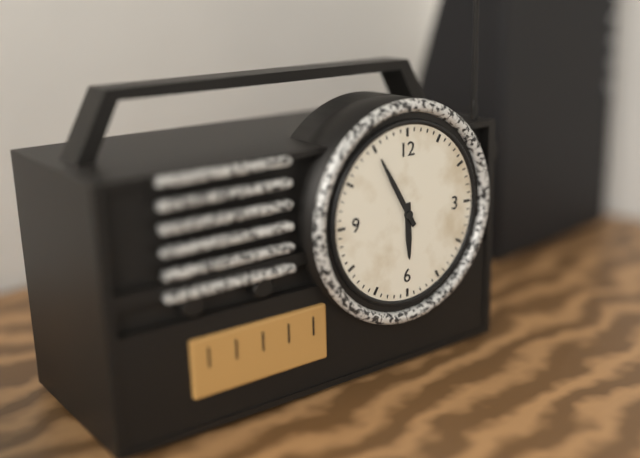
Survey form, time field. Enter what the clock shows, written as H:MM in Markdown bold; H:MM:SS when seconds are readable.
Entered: **5:55**
